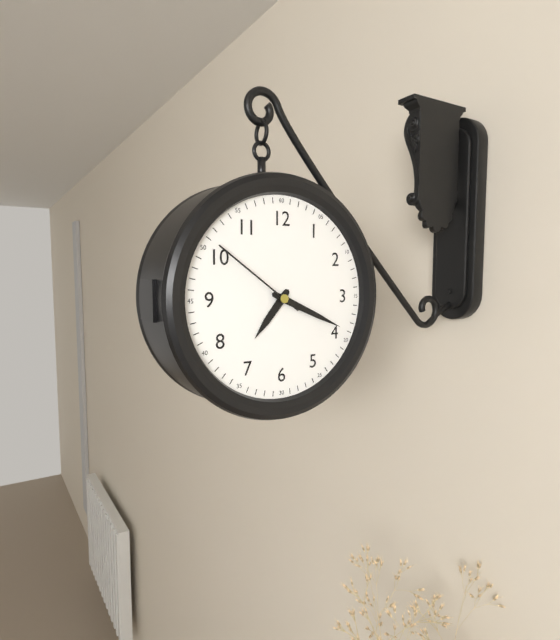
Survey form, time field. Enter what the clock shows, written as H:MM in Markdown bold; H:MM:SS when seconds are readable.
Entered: **7:19:51**
